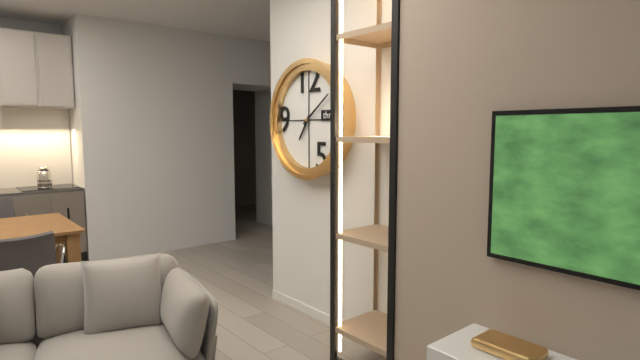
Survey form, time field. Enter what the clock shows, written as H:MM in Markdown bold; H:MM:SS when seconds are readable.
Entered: **7:09**
